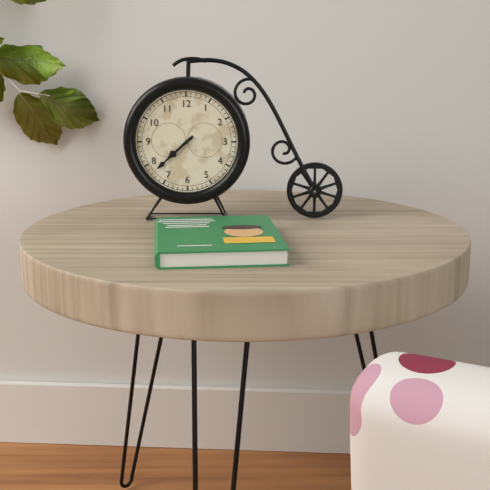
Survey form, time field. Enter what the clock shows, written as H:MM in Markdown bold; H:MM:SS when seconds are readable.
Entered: **7:38**
